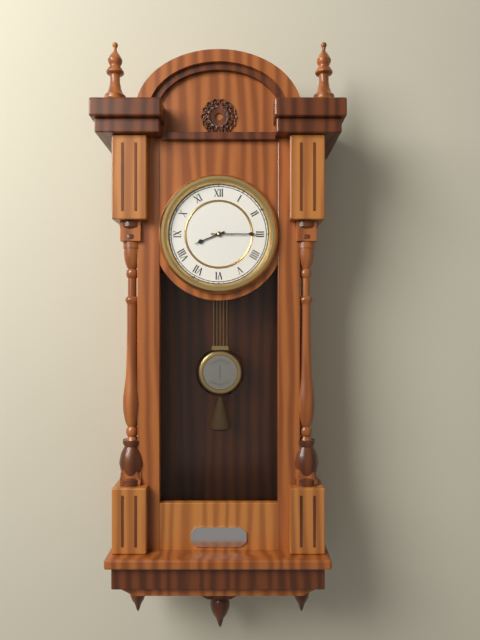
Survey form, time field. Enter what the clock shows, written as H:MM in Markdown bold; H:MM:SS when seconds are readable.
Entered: **8:15**
